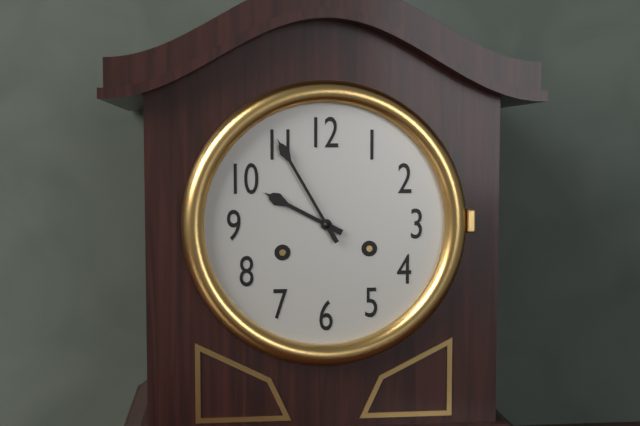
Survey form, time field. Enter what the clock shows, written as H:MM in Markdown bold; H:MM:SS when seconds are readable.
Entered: **9:55**
